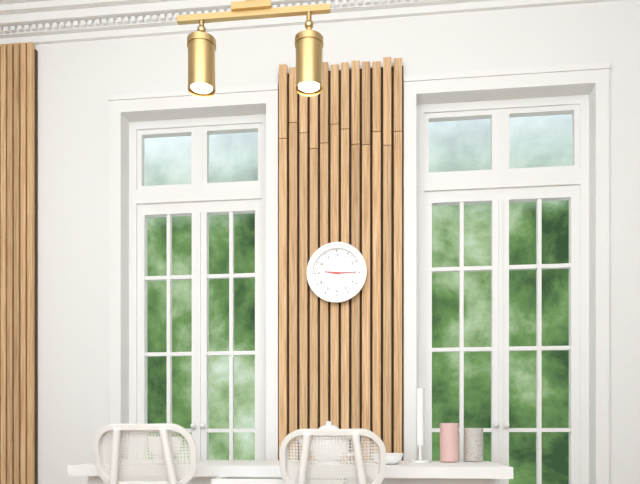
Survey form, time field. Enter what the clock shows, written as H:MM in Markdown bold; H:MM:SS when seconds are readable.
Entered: **9:15**
